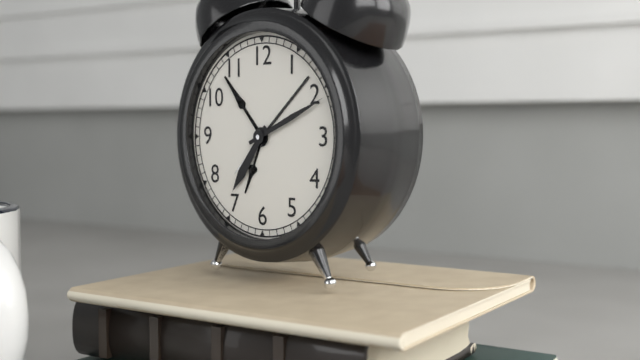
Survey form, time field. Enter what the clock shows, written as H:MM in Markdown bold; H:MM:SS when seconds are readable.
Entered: **7:11**
